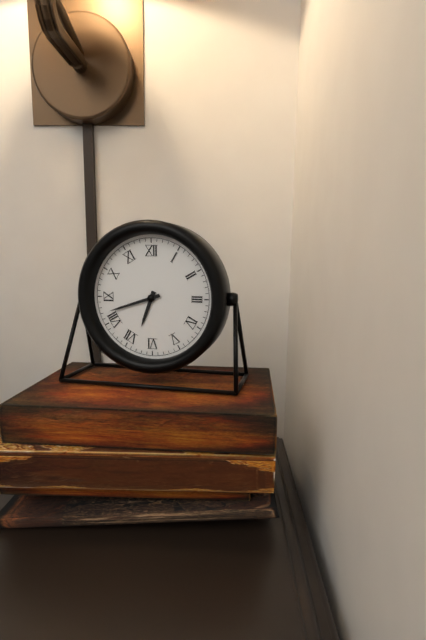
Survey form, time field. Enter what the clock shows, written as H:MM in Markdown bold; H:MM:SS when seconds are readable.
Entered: **6:42**
